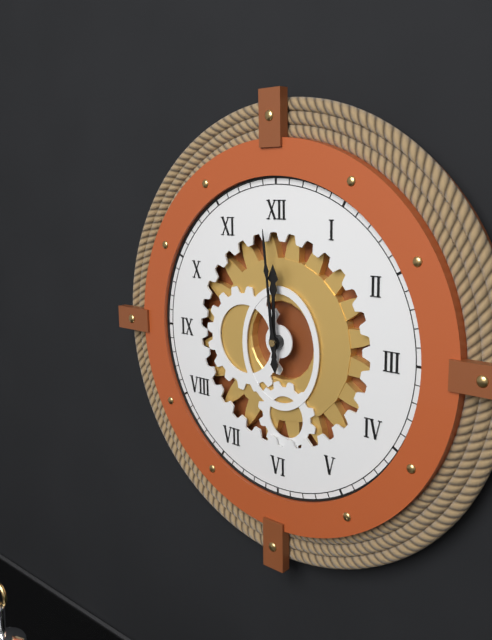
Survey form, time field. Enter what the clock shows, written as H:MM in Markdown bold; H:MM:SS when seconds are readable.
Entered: **11:59**
